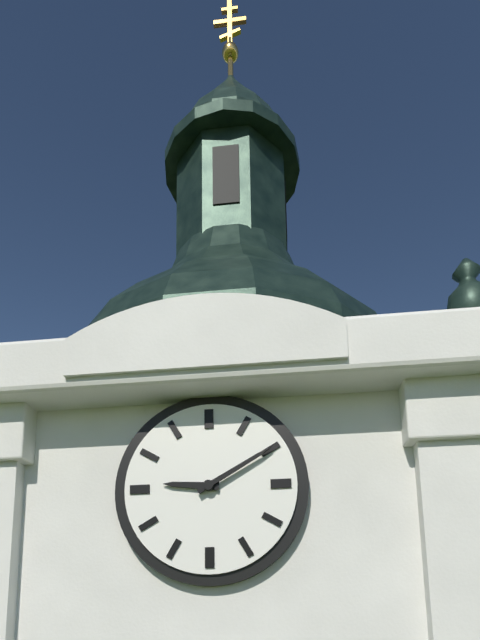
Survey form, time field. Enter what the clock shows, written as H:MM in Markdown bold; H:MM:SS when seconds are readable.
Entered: **9:10**
